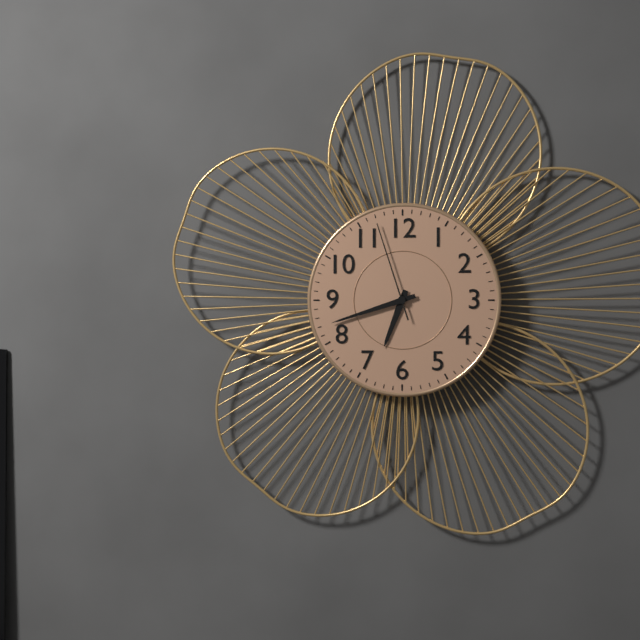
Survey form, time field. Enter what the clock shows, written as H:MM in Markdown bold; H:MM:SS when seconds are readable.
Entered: **6:42:57**
